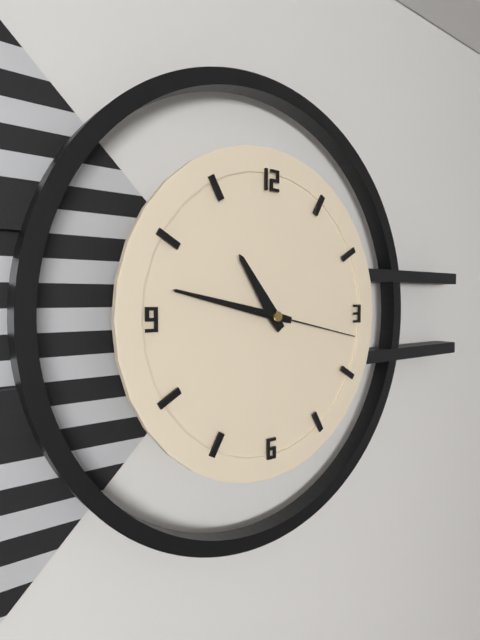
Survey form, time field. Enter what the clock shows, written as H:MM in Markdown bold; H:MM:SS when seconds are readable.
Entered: **10:47:17**
